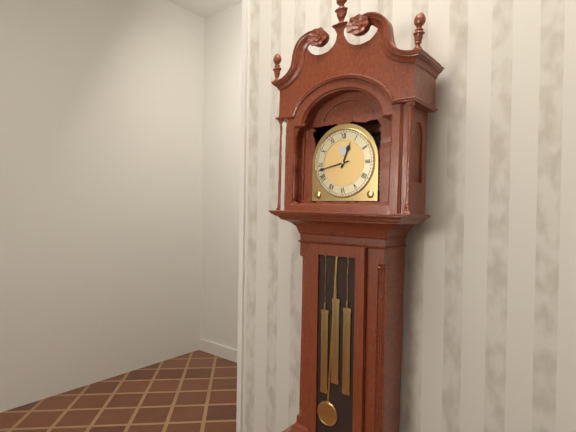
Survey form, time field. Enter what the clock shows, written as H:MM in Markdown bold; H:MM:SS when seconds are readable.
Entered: **12:43**
